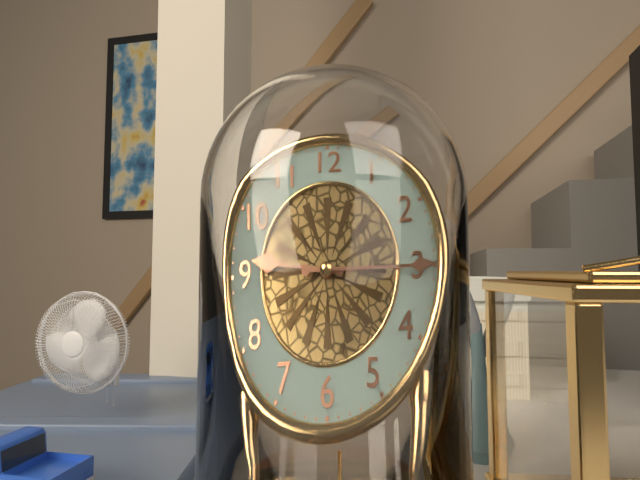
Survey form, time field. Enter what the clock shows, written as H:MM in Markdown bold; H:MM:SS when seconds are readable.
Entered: **9:15**
